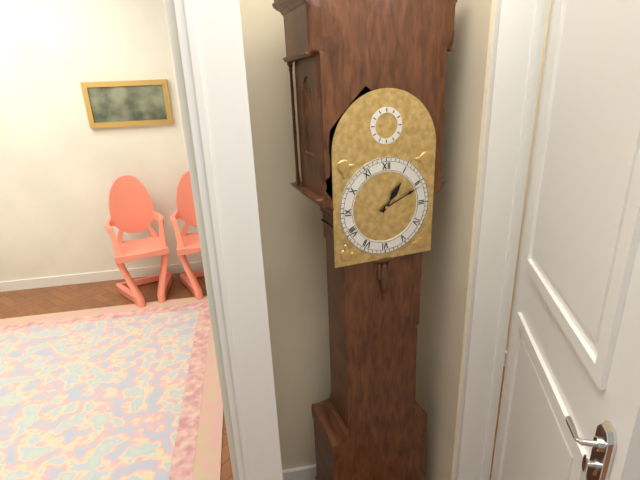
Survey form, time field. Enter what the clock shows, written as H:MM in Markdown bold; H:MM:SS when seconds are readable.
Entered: **1:11**
